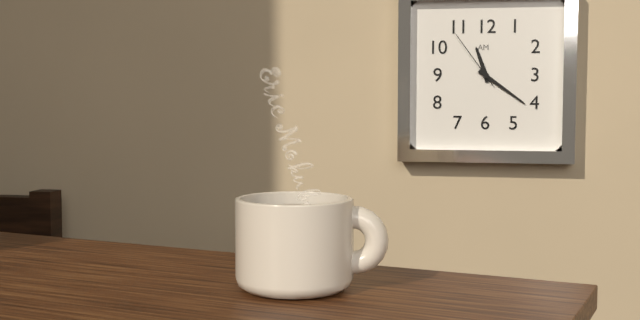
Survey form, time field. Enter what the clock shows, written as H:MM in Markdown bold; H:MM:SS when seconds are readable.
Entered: **11:21:54**
